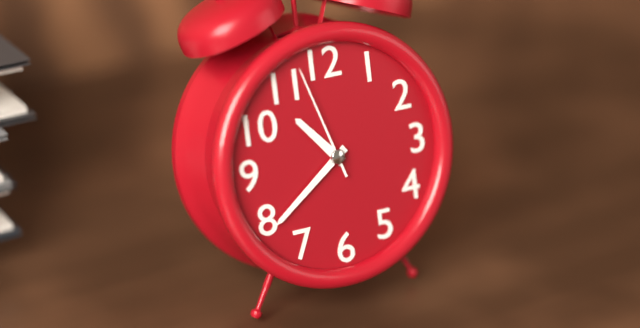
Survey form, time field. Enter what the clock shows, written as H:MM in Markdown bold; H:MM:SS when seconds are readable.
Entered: **10:39:57**
